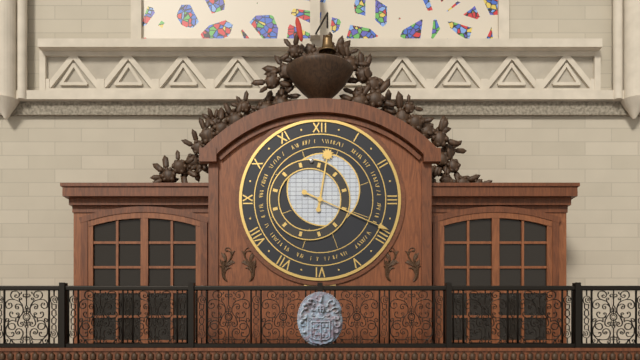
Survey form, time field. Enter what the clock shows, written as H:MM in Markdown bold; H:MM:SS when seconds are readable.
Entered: **12:19**
